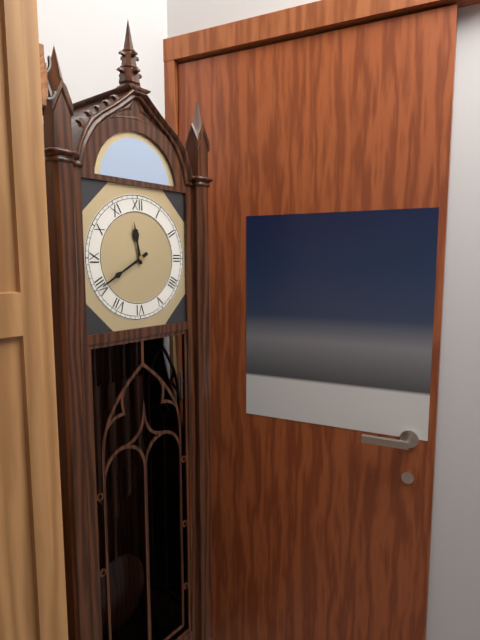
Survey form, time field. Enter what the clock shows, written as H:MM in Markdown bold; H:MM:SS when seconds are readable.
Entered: **11:40**
